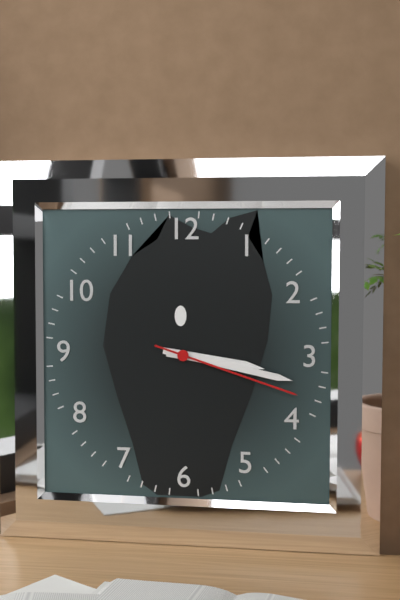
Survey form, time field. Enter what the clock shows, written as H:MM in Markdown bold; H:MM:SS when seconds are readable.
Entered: **3:17:18**
